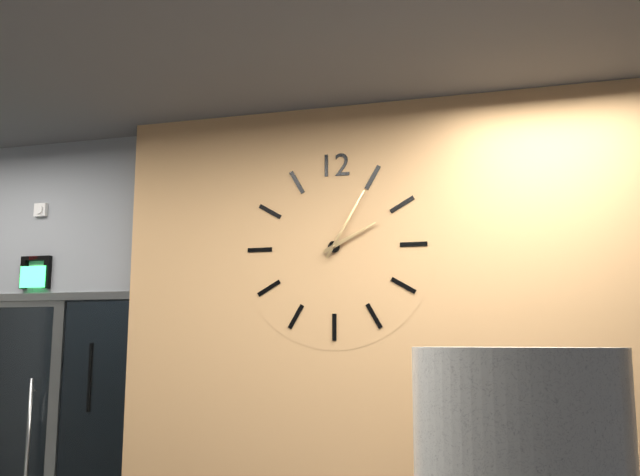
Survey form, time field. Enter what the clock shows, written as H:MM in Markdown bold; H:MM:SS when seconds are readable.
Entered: **2:05**
